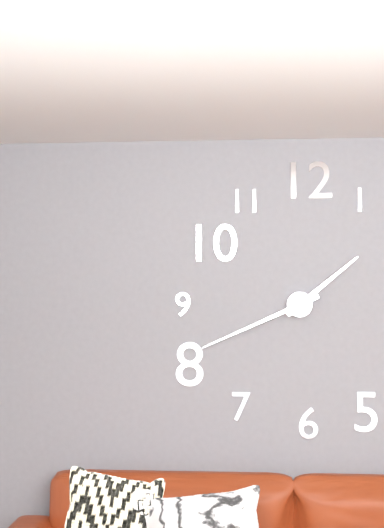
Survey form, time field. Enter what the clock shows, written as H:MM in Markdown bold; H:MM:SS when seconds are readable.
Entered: **1:41**
